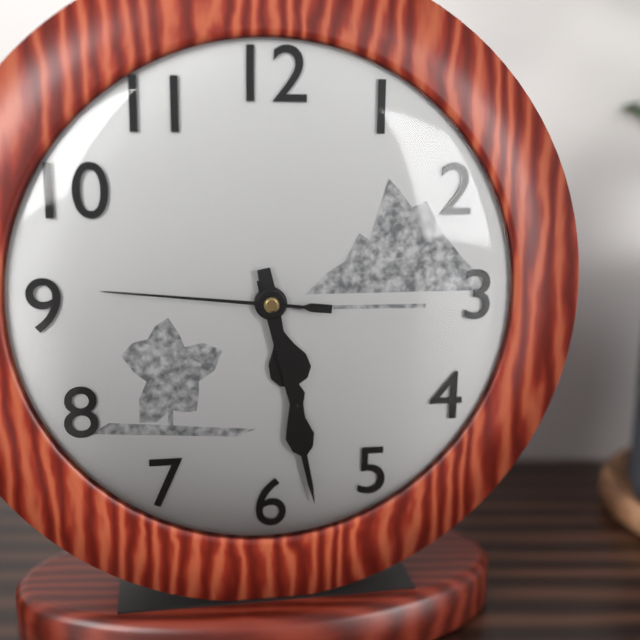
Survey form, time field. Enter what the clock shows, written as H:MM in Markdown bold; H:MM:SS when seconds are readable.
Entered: **5:28:46**
